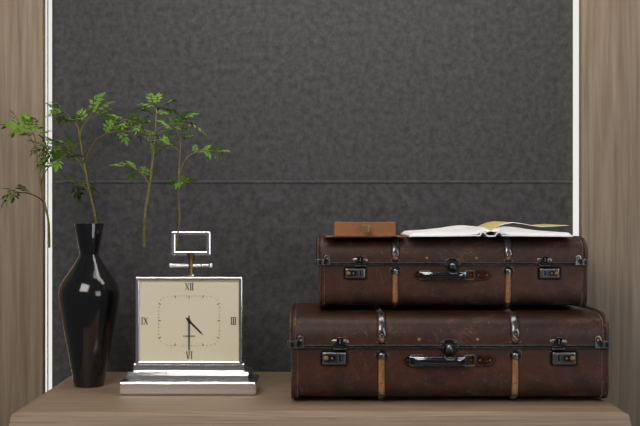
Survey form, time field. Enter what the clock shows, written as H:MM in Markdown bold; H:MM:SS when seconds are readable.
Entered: **4:30**
